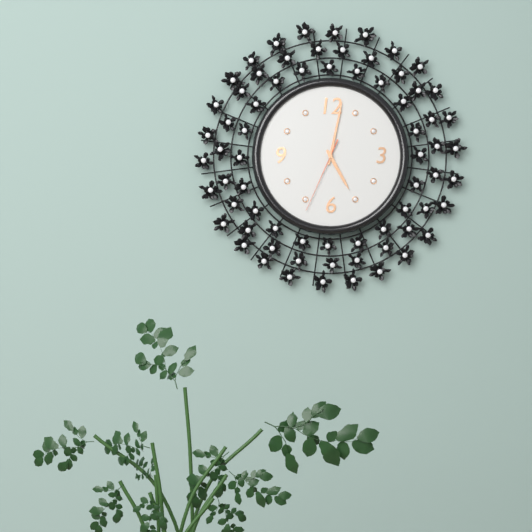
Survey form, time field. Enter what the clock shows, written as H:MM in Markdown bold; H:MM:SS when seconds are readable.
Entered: **5:02:34**
